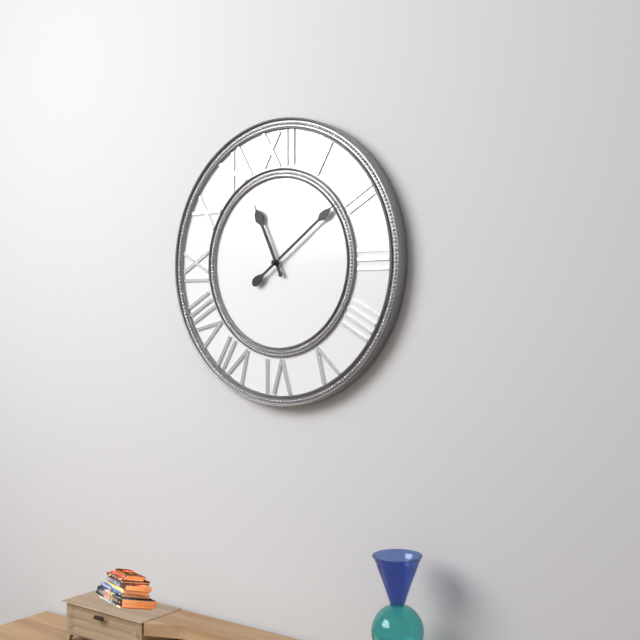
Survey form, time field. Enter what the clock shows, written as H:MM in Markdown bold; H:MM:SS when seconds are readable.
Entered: **11:09**
